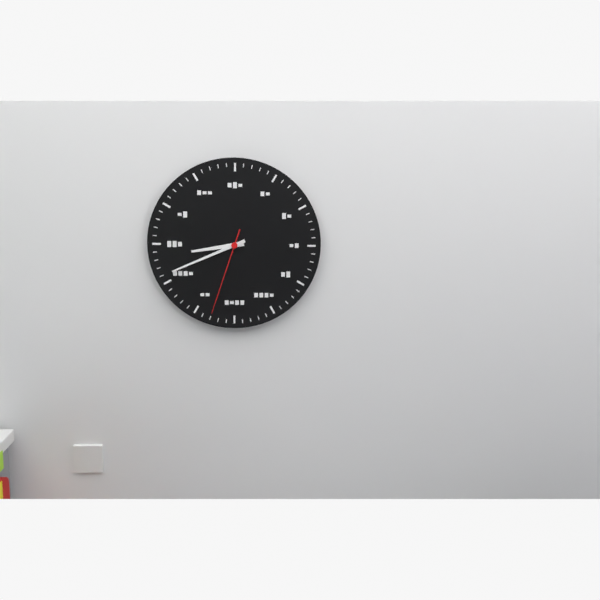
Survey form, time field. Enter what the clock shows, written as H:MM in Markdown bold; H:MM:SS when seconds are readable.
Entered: **8:41:33**
